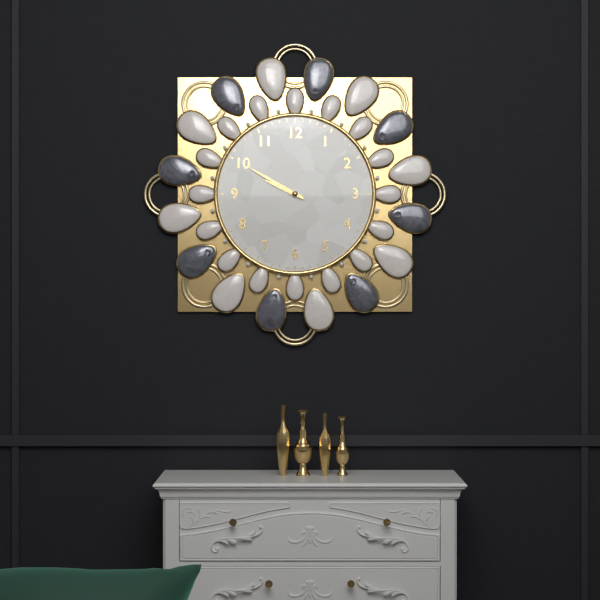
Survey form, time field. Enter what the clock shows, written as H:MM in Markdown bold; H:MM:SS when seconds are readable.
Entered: **9:50**
